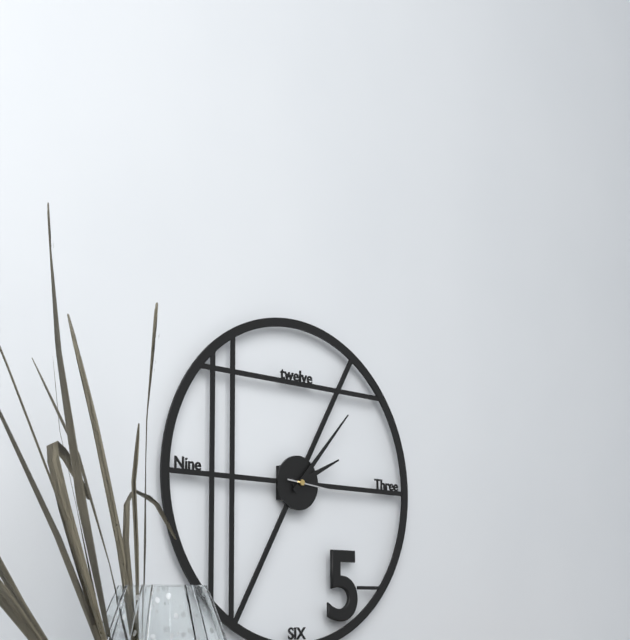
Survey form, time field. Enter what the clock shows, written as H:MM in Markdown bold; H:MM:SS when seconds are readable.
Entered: **2:07:16**
